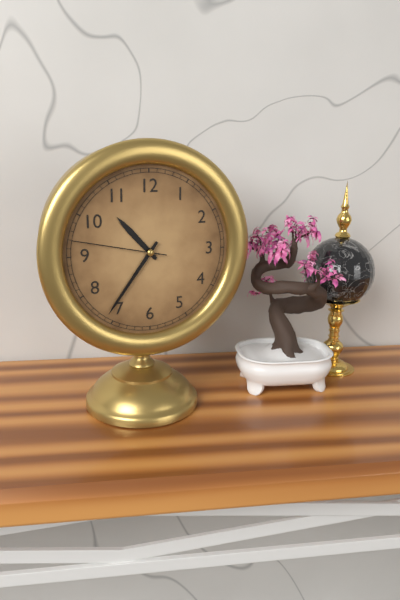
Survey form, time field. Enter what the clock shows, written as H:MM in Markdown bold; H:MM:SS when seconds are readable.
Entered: **10:36:47**
